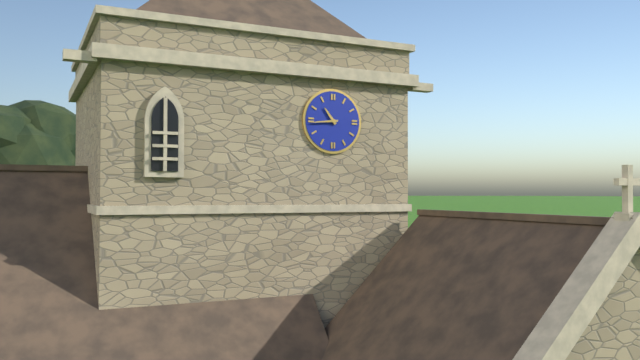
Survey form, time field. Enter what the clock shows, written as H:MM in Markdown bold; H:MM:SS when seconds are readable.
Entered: **10:44**
